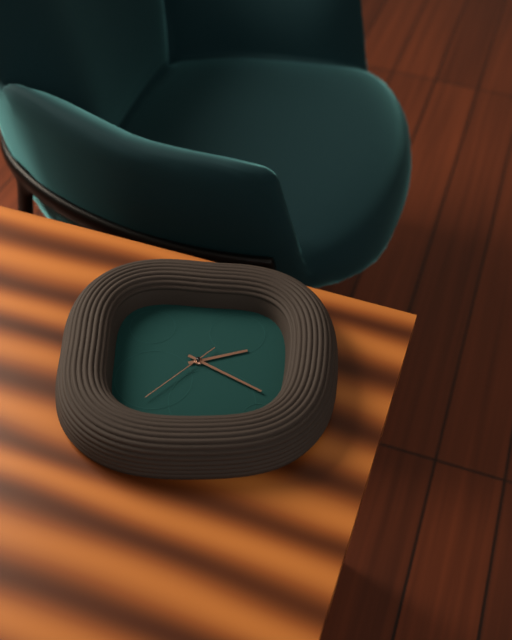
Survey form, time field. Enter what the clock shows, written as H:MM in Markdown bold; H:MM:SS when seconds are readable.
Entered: **2:20:37**
